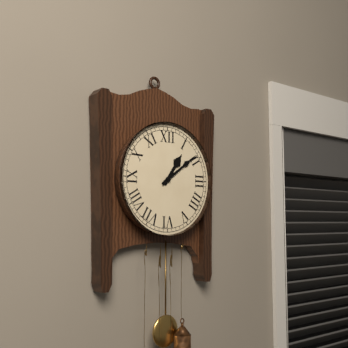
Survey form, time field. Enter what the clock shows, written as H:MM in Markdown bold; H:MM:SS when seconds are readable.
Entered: **1:09**
